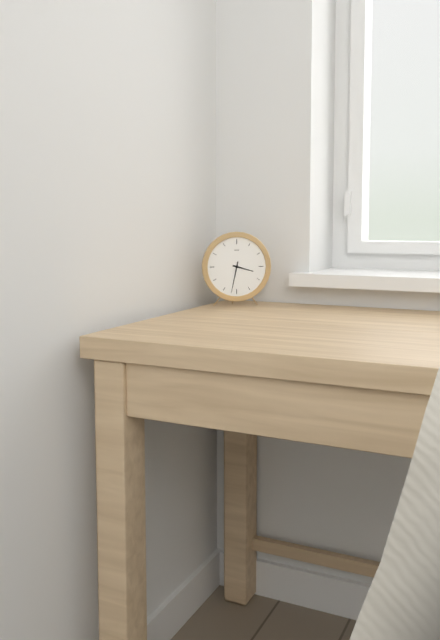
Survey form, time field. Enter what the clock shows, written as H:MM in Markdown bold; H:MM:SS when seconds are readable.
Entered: **3:32**
